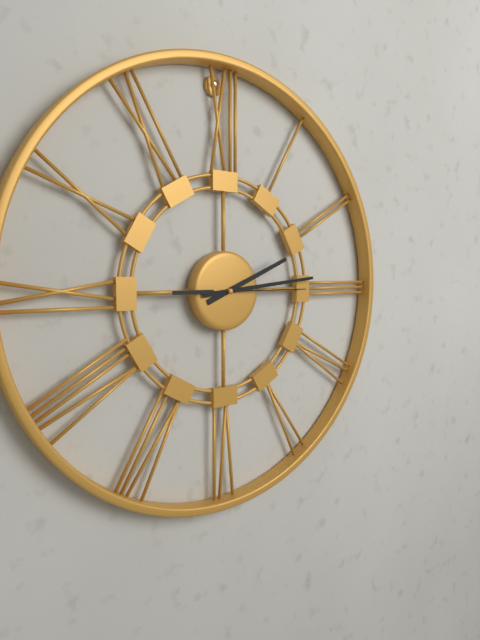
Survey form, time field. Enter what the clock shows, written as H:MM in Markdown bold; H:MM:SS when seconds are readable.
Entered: **2:14:15**
